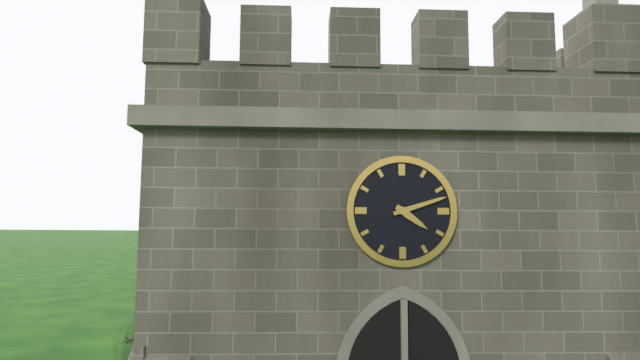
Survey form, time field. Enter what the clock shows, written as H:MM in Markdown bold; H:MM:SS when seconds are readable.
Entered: **4:12**
